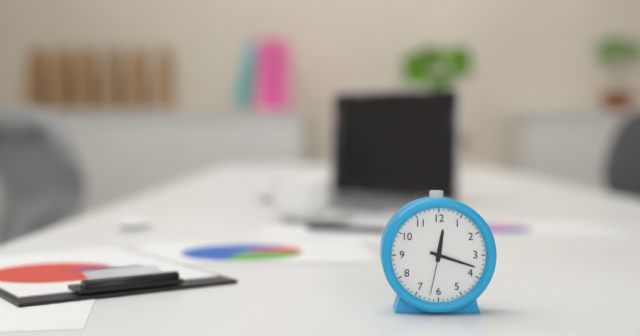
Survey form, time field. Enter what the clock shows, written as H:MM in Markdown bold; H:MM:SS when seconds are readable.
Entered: **12:18:32**
